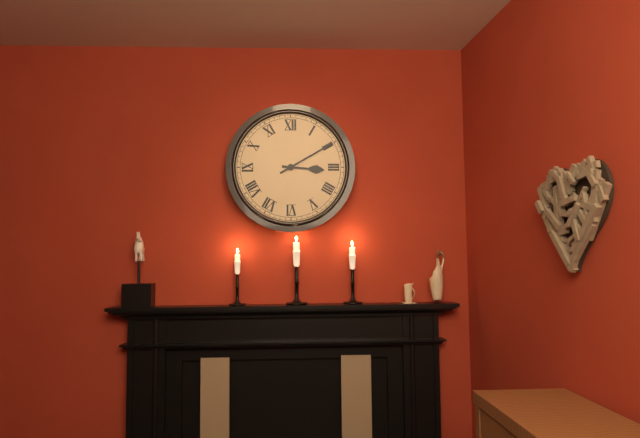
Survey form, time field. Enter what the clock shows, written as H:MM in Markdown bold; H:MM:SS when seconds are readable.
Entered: **3:10**
